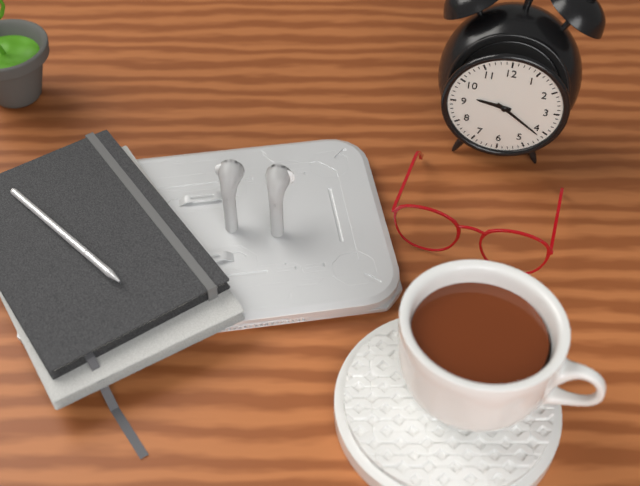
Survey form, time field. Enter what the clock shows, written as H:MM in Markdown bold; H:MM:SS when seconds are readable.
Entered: **9:21**
